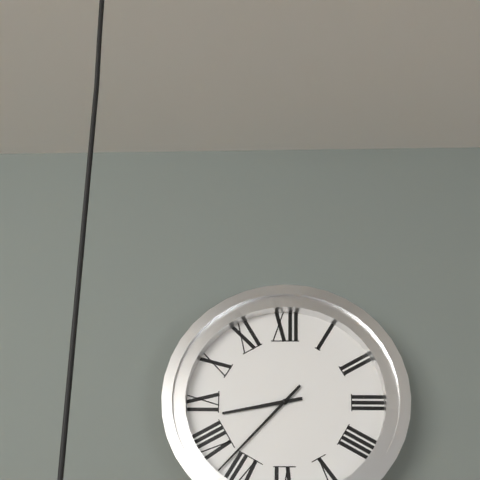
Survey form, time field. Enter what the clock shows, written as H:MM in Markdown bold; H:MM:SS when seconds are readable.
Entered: **8:37**
